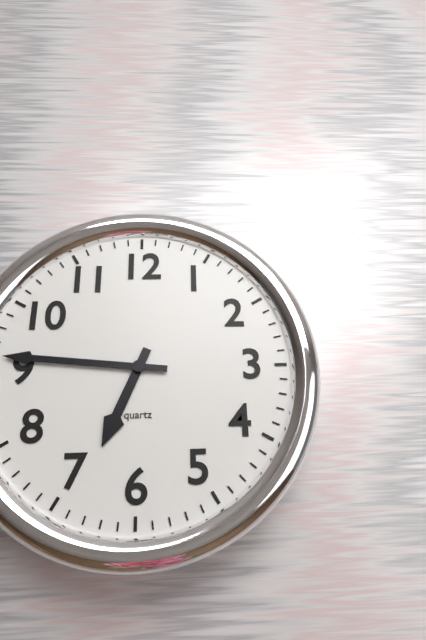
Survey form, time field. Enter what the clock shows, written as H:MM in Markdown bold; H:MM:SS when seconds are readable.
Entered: **6:46**
